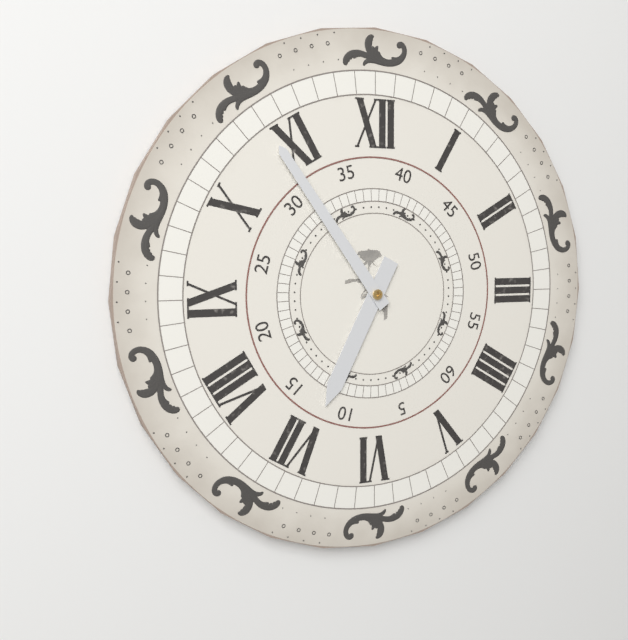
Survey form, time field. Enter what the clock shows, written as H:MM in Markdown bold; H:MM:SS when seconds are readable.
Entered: **6:54**
